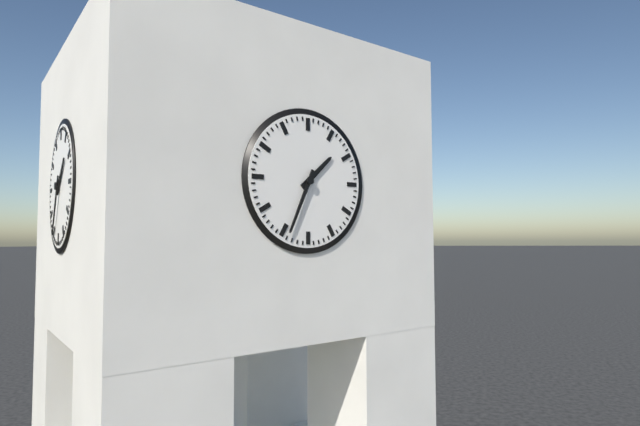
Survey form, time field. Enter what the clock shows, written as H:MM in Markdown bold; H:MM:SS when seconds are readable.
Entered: **1:34**
